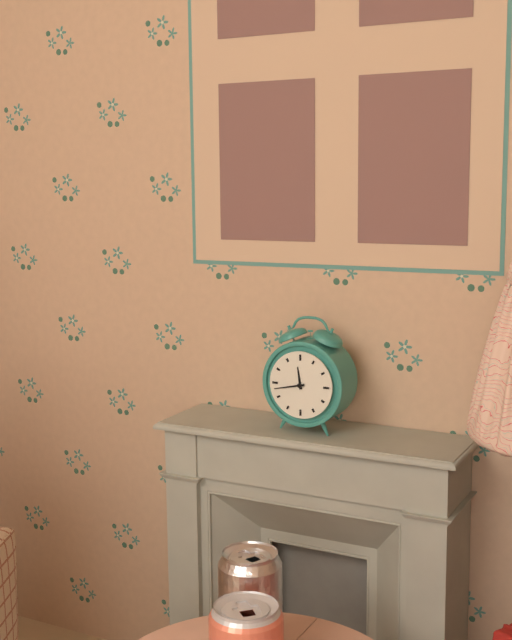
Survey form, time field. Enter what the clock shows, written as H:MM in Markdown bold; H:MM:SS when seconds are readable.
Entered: **11:43**
